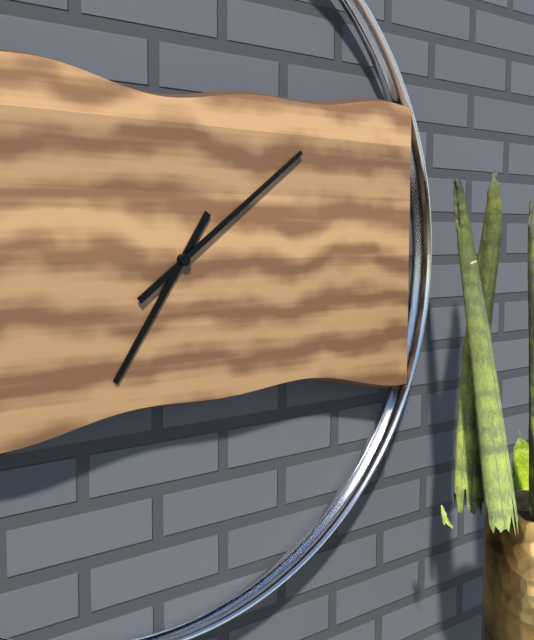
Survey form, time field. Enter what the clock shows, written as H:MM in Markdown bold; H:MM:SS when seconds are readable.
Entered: **7:09**
